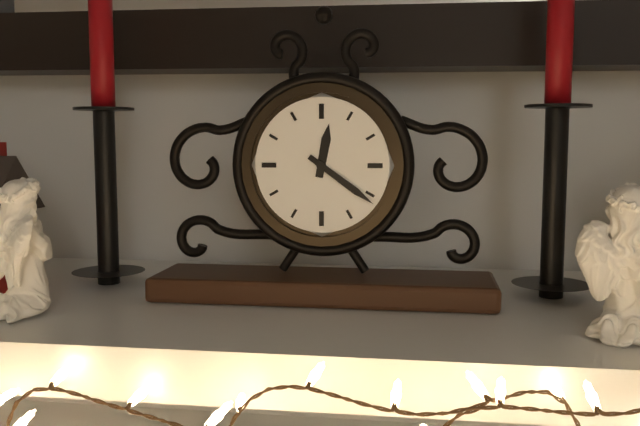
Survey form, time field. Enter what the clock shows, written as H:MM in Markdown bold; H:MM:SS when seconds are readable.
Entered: **12:21**
